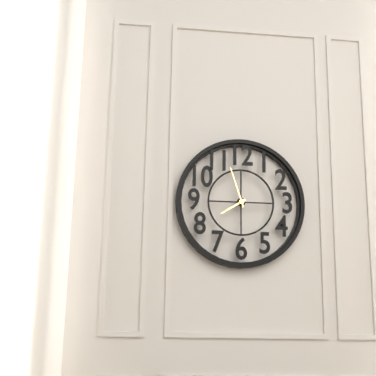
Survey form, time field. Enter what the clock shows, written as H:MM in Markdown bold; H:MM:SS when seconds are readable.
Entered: **7:57**
